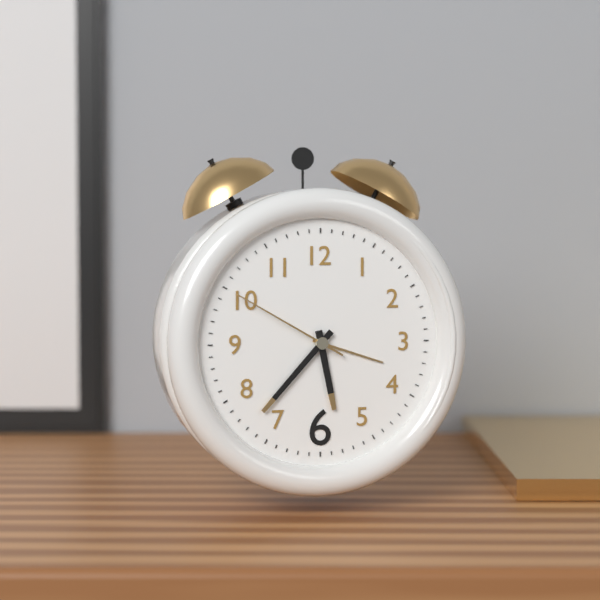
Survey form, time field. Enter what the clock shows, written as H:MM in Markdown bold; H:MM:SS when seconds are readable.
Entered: **5:37:50**
